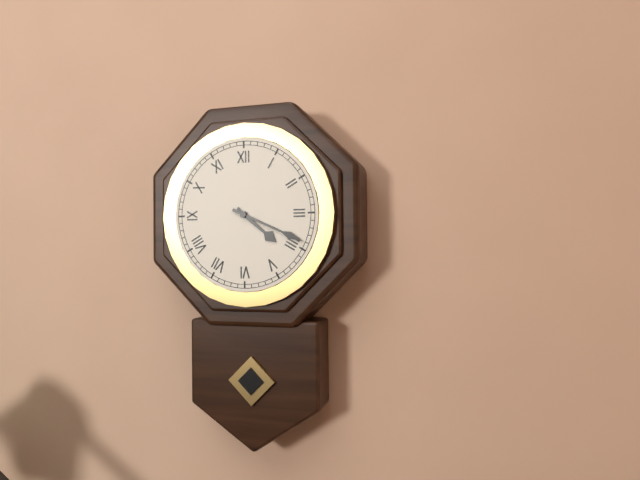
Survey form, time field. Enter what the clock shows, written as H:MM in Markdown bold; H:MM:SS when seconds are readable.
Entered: **4:19**
